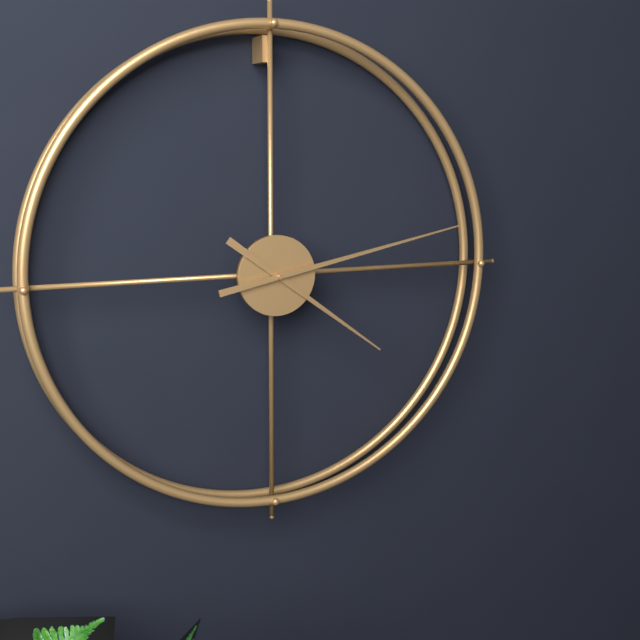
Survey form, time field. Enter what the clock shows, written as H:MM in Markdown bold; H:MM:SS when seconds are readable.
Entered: **4:13**
